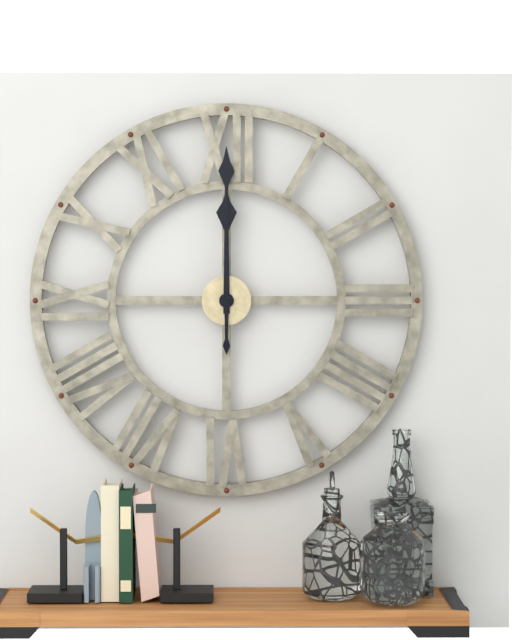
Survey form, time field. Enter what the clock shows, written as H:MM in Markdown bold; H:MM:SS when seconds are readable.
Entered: **12:00**
